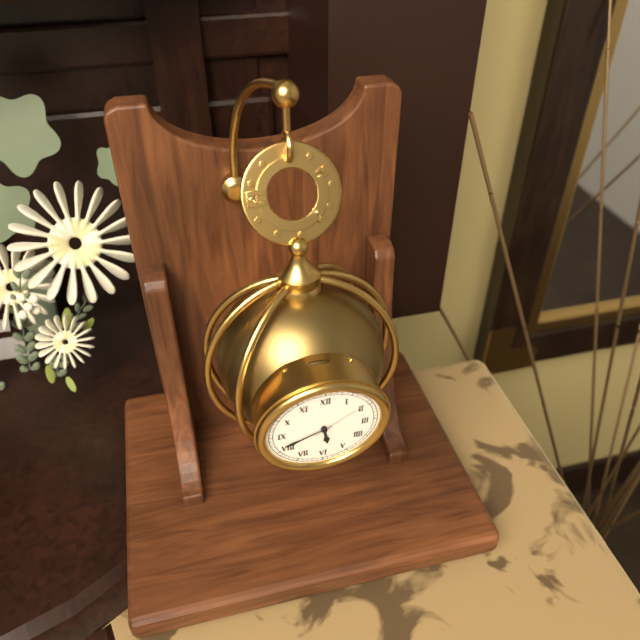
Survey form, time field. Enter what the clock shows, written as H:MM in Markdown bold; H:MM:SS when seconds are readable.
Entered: **5:41:09**
